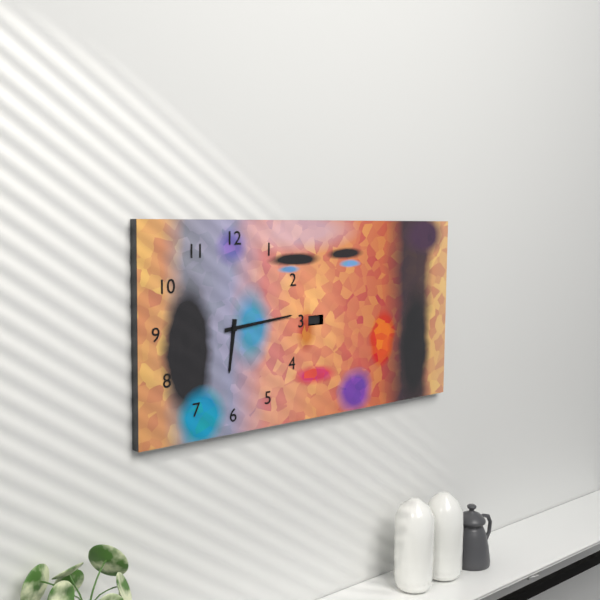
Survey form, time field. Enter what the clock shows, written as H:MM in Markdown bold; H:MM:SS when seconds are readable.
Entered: **6:14**
